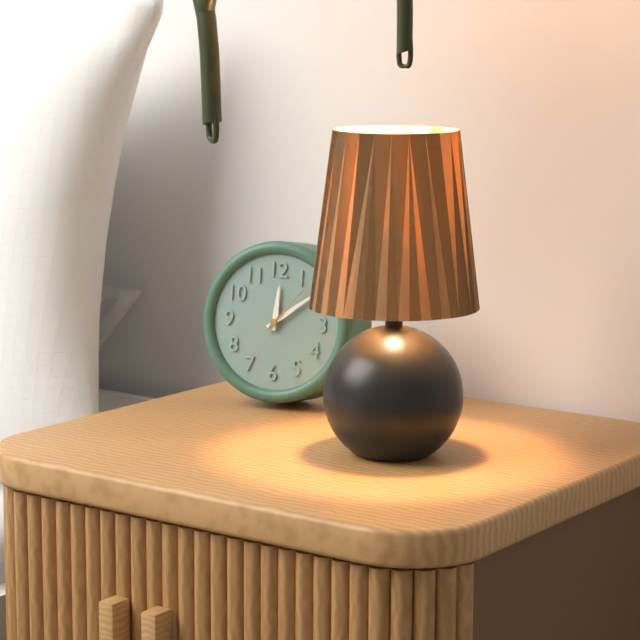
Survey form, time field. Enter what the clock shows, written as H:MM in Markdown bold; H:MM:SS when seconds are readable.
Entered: **12:09:07**
